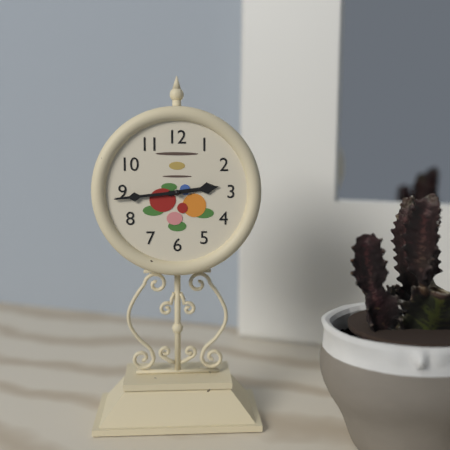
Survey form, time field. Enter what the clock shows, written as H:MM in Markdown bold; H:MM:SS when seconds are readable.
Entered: **2:44**
